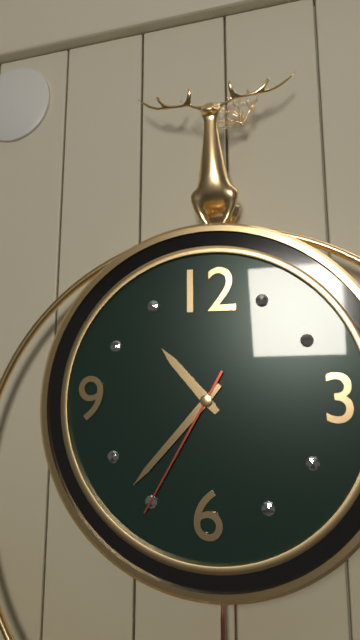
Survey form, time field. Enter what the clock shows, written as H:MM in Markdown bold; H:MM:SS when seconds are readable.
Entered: **10:37:35**
